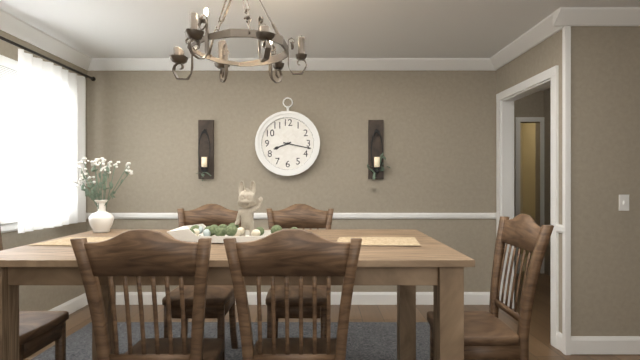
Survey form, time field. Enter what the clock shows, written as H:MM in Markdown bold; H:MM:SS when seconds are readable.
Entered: **8:17**
